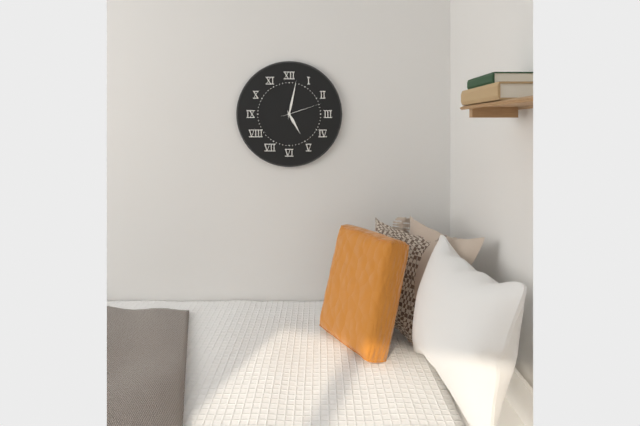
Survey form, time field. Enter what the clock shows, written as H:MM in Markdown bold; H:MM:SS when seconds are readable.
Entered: **5:02**
